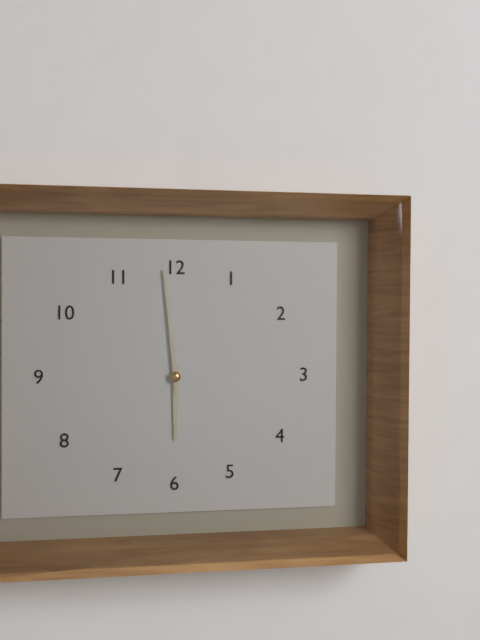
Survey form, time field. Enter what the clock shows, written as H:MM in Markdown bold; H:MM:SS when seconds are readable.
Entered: **5:59**
